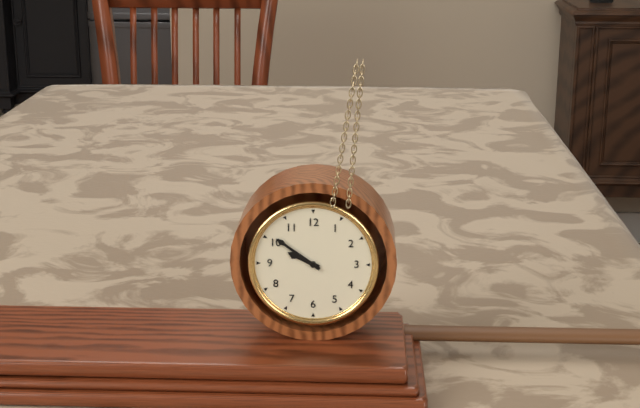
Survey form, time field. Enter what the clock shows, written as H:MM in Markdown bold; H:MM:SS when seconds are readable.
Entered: **9:51**
